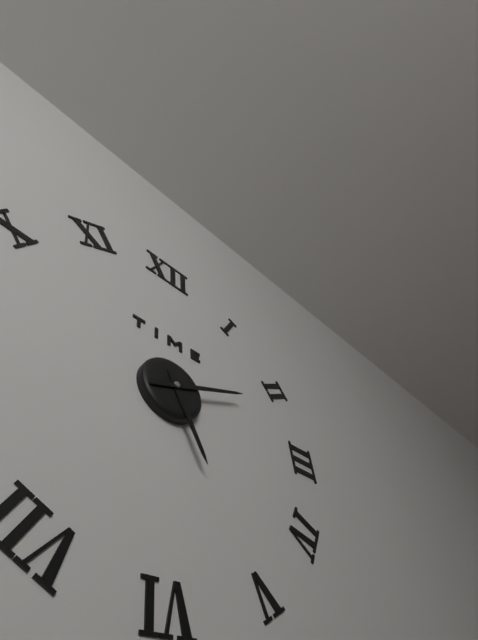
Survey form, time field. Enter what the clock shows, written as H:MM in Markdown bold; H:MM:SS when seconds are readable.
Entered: **5:11**
